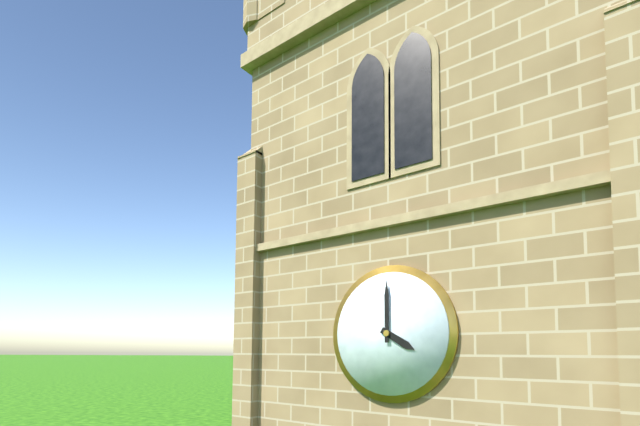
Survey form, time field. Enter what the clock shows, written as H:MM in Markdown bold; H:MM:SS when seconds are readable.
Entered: **4:00**
